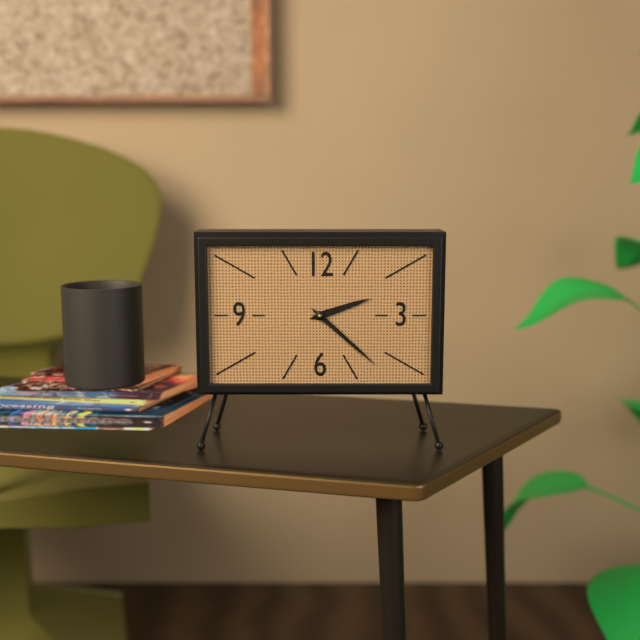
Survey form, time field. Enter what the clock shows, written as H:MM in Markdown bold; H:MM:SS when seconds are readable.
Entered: **2:22**
